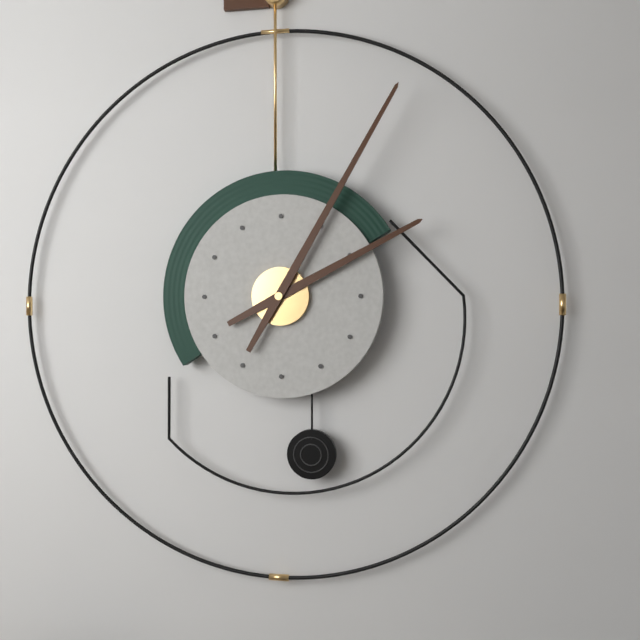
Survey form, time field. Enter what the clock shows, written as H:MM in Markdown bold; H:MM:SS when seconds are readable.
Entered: **2:05**
